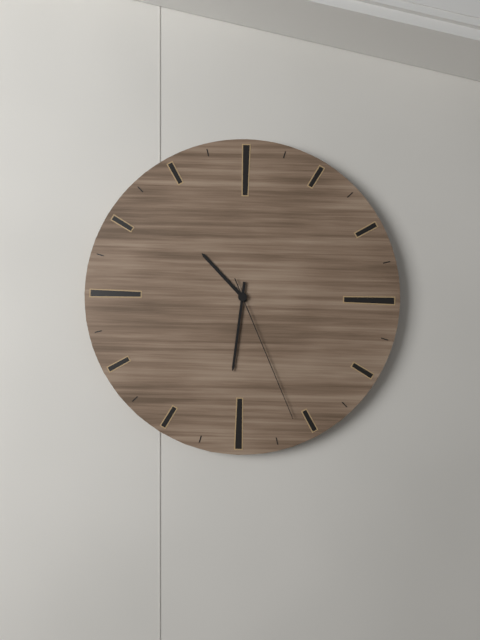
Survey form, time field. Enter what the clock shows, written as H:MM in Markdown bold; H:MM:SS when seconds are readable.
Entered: **10:31:26**
